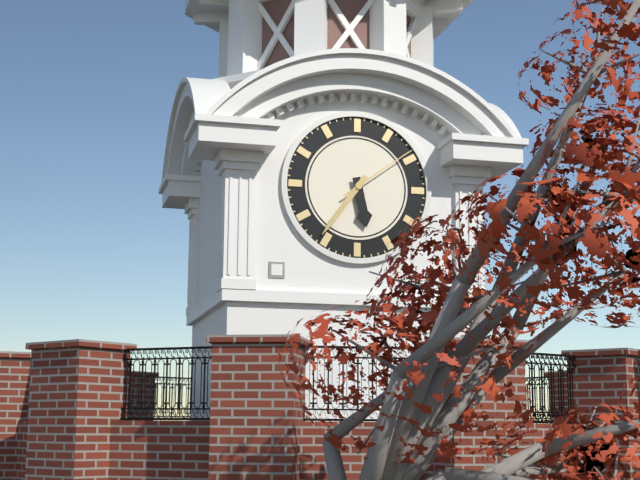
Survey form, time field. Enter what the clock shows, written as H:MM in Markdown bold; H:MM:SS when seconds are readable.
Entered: **5:36:09**
